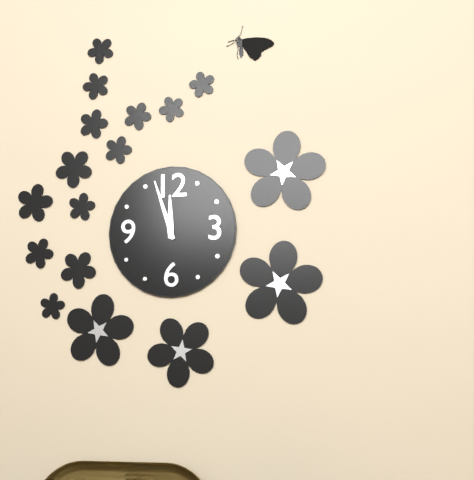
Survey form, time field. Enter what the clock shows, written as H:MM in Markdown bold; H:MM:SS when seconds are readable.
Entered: **11:57**
